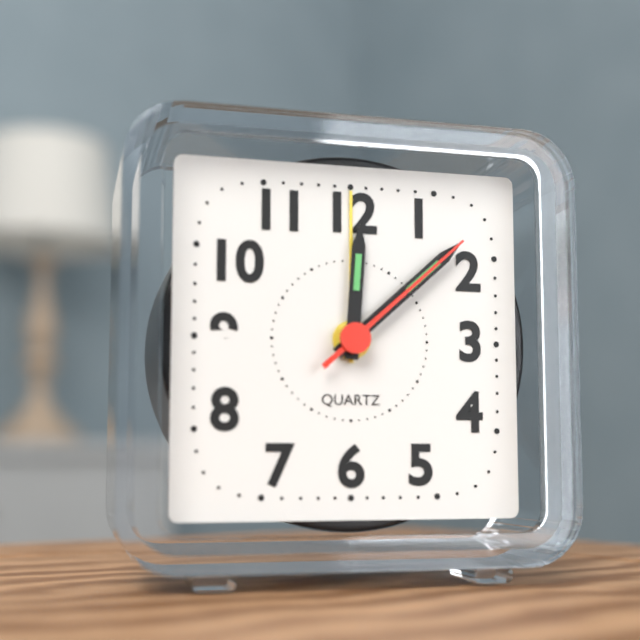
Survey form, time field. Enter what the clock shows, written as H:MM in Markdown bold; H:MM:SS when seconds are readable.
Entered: **12:08:08**
